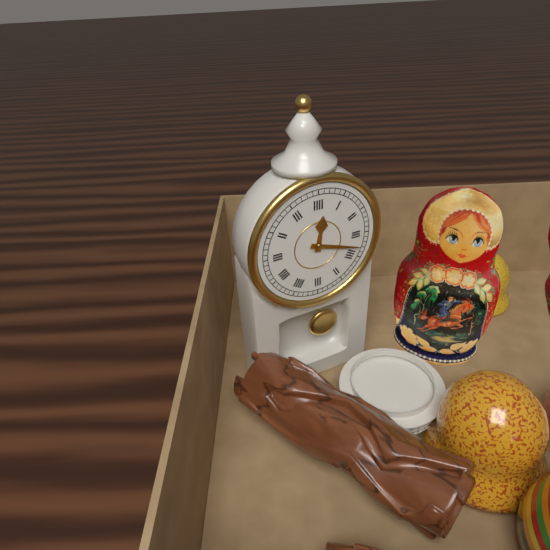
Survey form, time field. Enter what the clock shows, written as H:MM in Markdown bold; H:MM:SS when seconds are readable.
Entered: **12:18**
